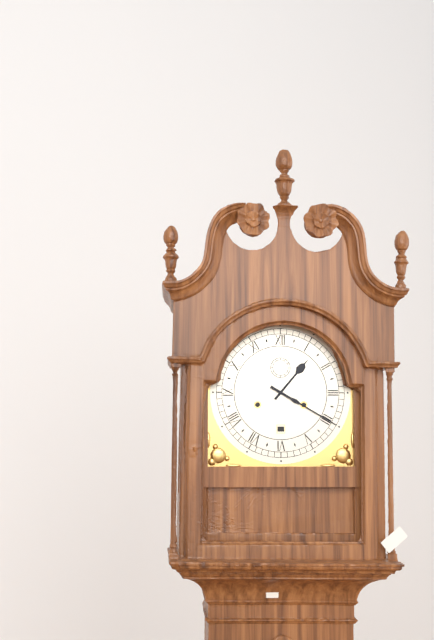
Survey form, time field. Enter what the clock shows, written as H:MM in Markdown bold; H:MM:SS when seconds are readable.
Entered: **1:20**
